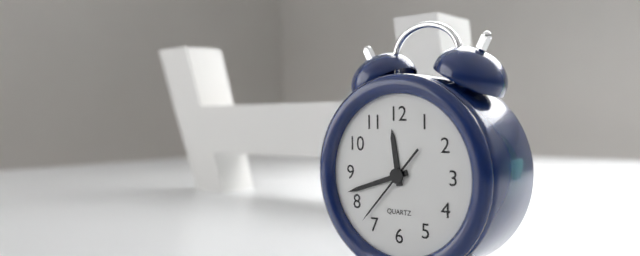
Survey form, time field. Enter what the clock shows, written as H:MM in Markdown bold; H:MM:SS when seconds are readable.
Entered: **11:42:37**
